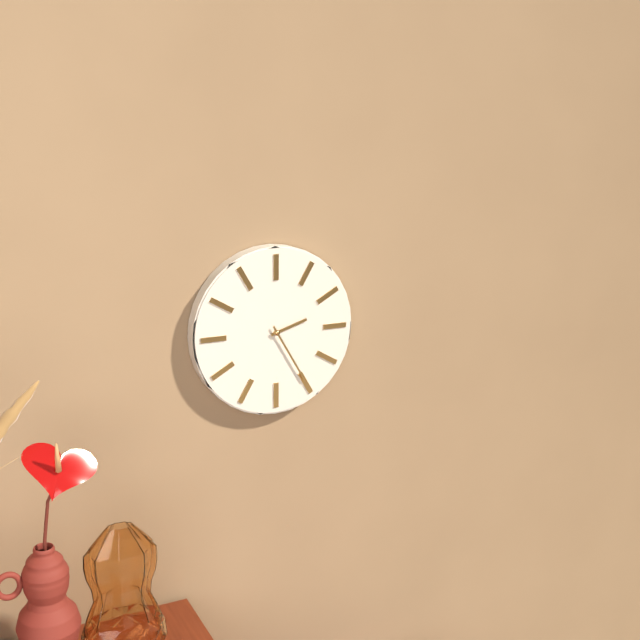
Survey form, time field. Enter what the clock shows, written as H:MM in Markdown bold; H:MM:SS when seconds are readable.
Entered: **2:25**
